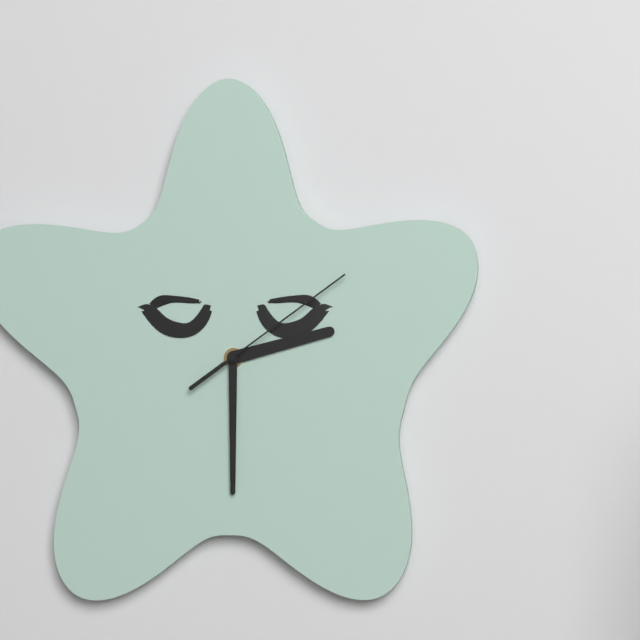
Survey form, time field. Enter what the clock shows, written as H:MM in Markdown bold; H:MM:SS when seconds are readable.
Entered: **2:30:09**
